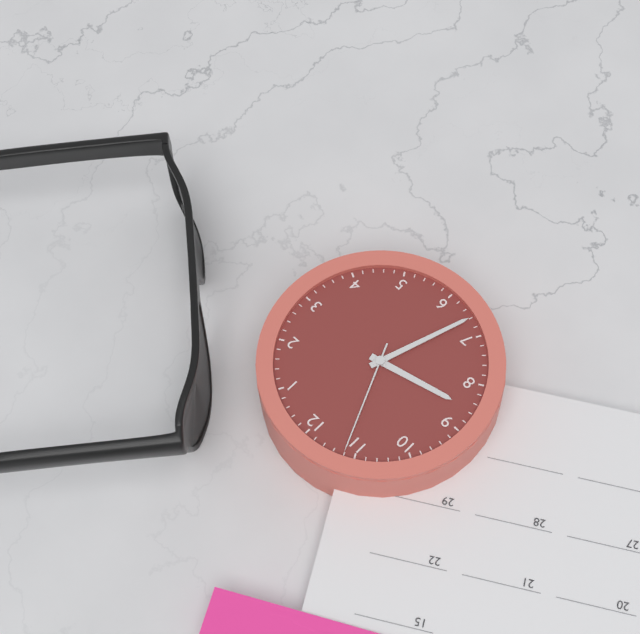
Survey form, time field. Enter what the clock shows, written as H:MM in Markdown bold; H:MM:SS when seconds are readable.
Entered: **8:33:56**
